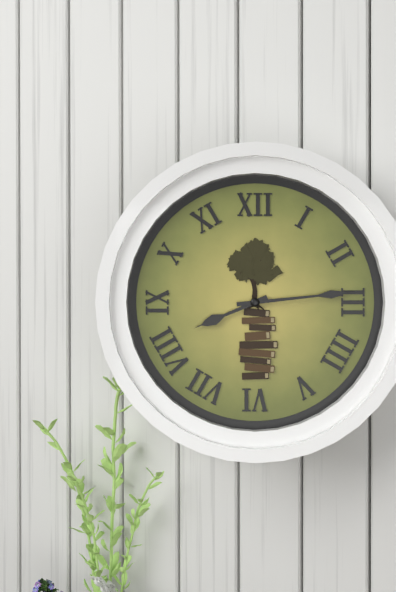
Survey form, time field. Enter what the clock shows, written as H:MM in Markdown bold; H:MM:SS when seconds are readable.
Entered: **8:14**
